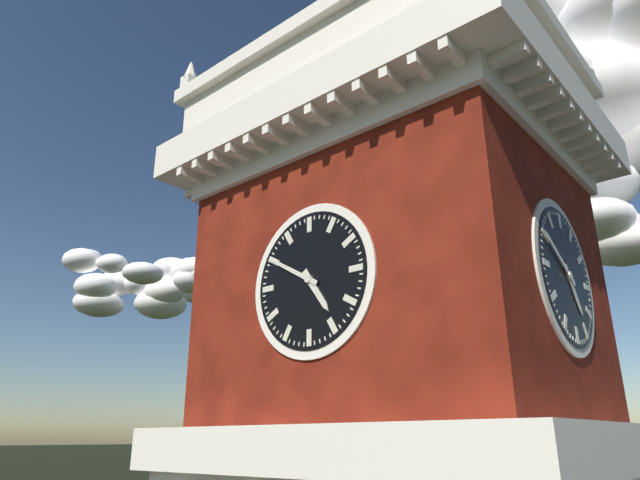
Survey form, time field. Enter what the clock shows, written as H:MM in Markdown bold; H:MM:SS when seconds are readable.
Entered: **4:50**
